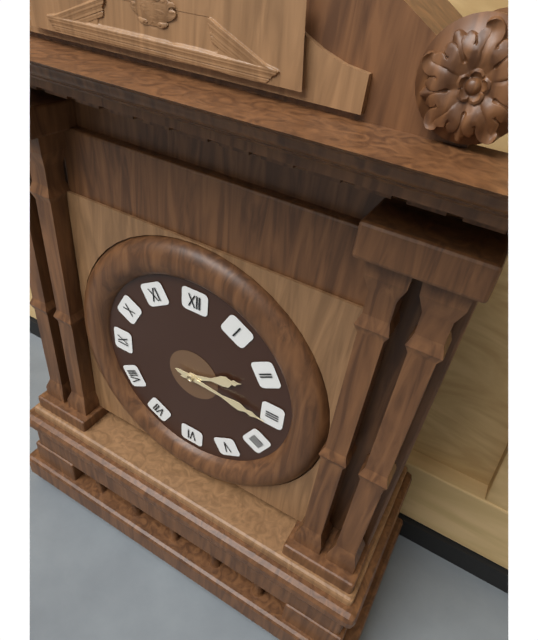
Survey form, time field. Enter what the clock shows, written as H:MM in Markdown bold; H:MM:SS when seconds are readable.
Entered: **2:16**
